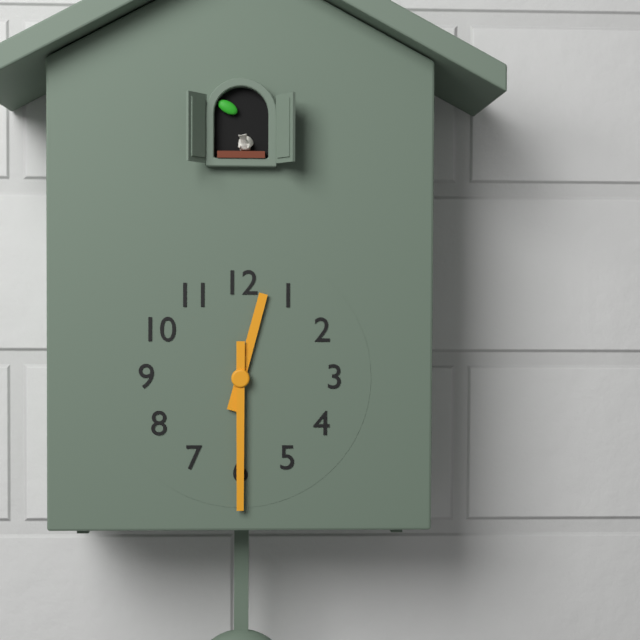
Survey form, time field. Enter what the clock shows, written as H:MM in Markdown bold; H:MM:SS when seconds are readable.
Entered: **12:30**
